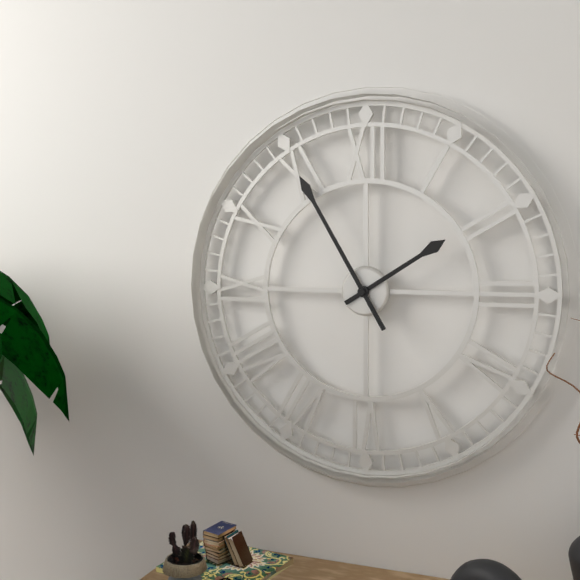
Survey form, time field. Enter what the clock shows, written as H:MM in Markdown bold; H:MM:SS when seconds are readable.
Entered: **1:55**
